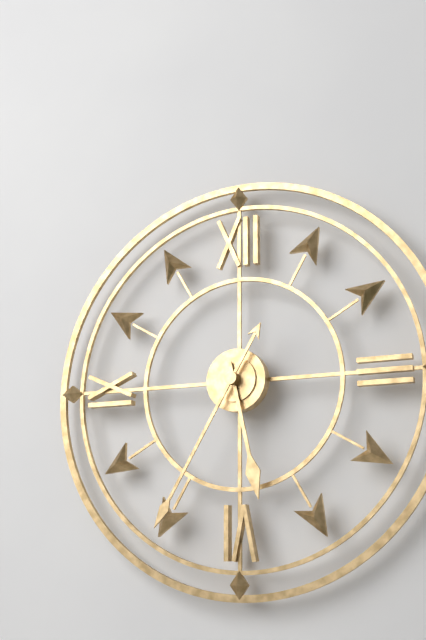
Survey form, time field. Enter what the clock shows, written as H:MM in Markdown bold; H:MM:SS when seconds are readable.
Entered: **5:35**
